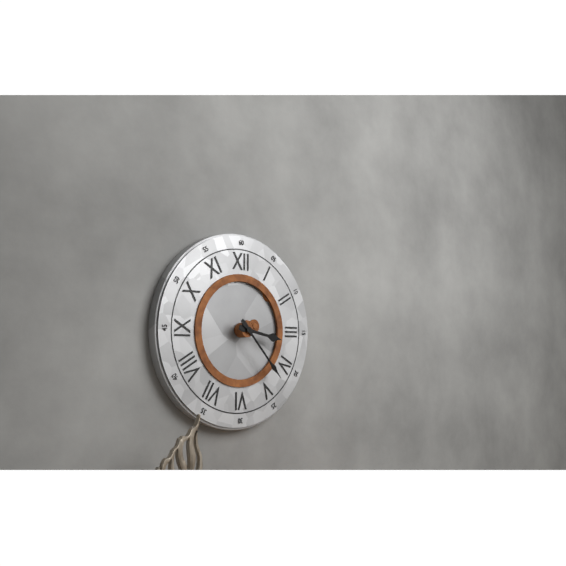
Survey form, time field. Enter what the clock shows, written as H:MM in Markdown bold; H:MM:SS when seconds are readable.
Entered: **3:23**
